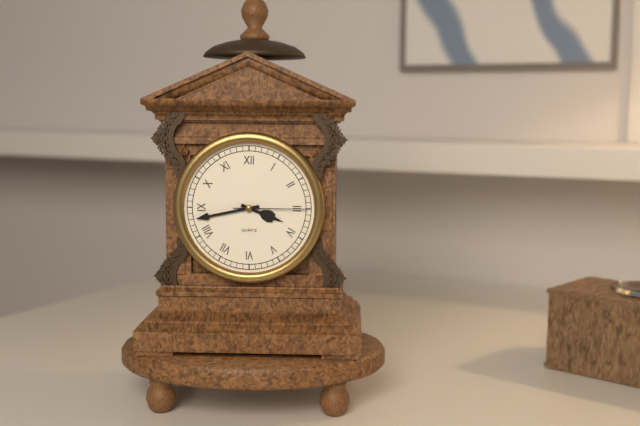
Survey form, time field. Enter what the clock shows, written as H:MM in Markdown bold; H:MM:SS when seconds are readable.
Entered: **3:43:15**
